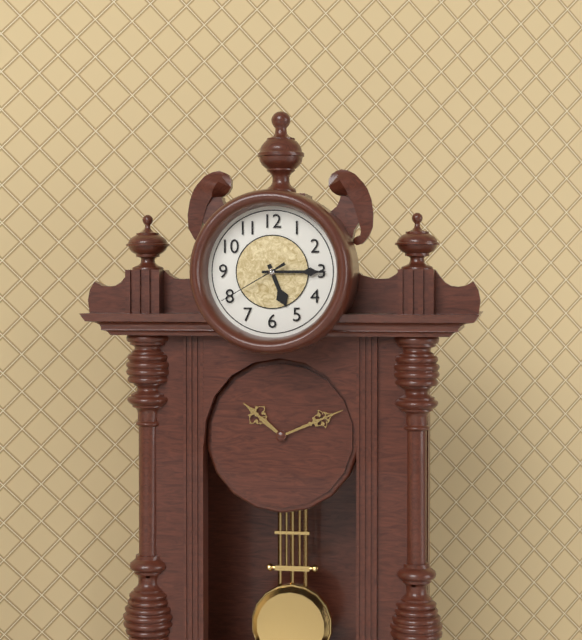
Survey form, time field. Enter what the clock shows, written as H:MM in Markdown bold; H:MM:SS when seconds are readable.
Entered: **5:15:40**
